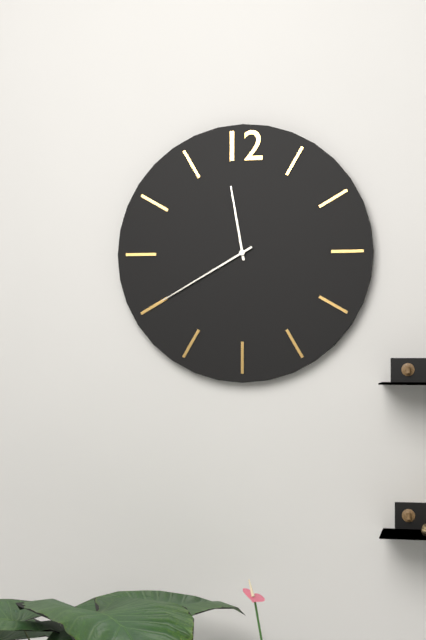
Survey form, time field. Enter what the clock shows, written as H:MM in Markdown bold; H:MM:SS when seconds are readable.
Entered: **11:40**
